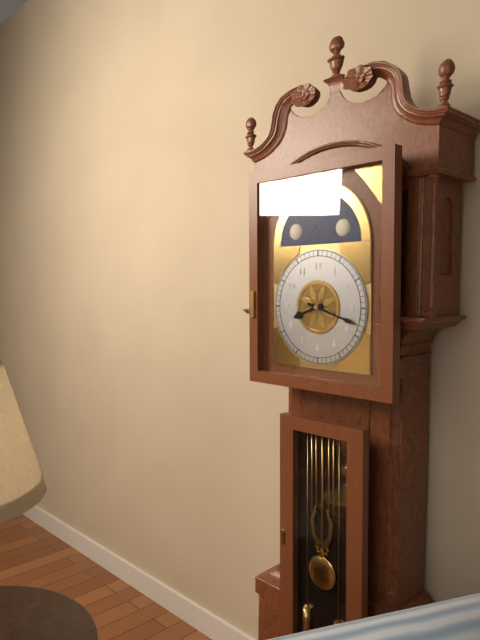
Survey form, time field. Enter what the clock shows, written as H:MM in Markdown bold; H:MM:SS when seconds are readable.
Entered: **8:18**
